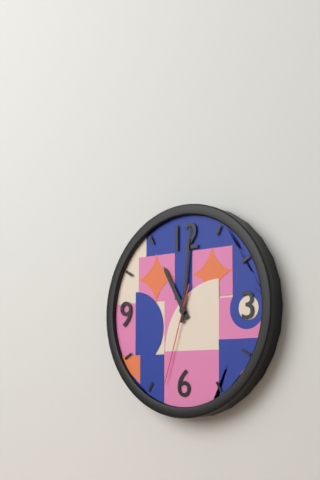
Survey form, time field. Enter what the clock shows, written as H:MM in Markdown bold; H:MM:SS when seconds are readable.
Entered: **11:01:33**
